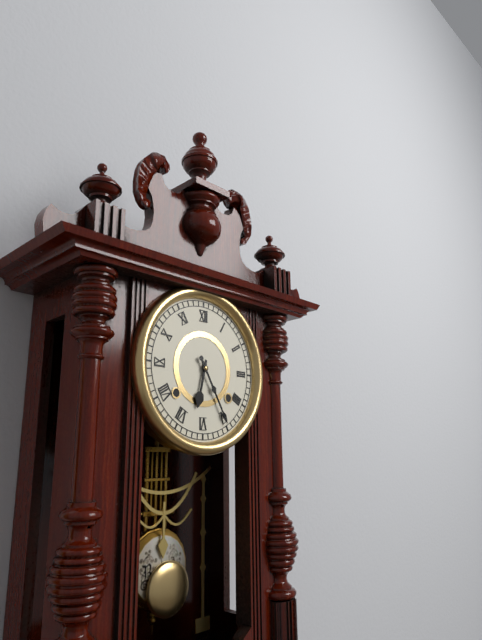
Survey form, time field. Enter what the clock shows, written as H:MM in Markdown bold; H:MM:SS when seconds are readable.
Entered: **6:25**
